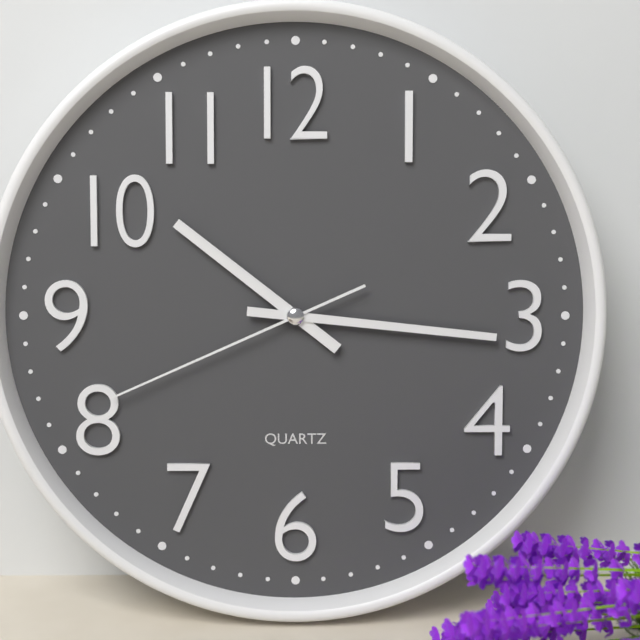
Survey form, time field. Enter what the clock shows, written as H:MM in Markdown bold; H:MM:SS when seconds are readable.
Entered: **10:16:41**
